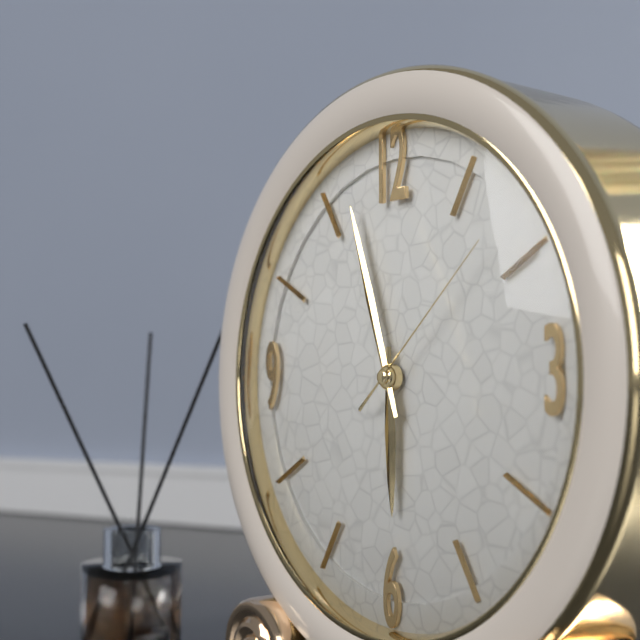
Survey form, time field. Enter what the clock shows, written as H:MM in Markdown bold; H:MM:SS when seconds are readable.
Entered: **5:57:08**
